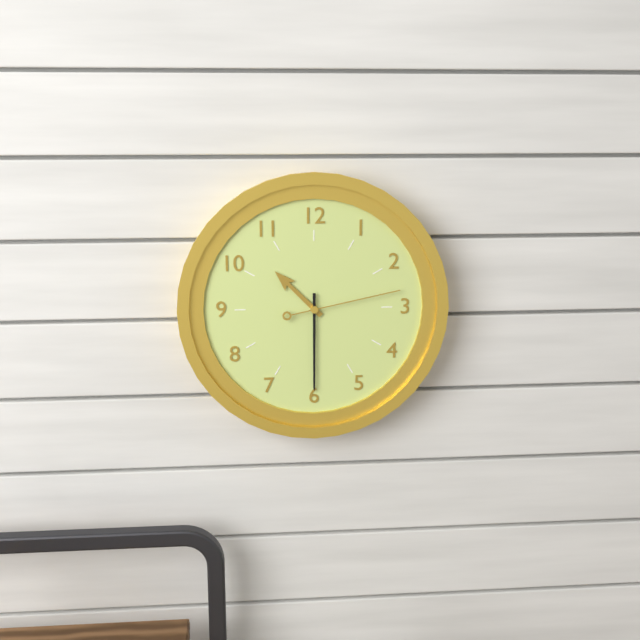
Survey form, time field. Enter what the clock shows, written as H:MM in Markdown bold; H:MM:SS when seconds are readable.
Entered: **10:30:13**
